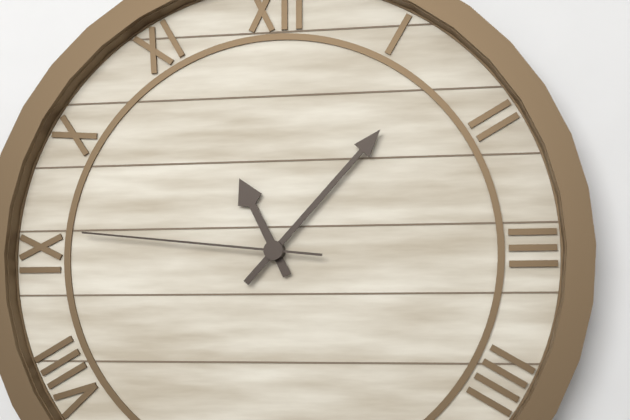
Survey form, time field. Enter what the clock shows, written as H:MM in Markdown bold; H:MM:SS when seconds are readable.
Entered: **11:07:46**
